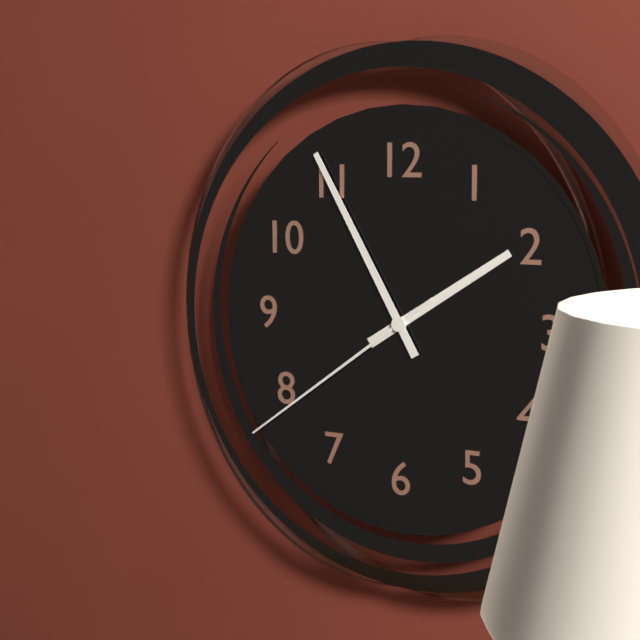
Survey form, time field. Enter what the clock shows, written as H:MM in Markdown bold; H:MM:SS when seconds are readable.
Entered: **1:55:39**
